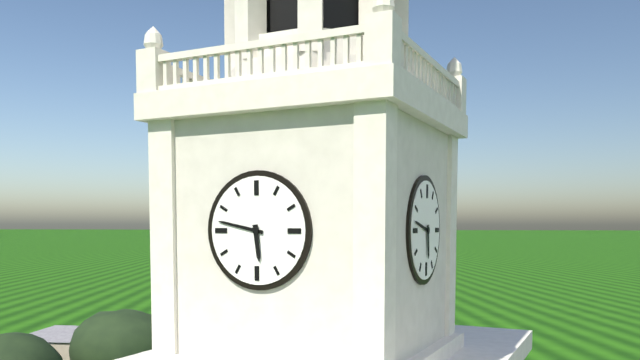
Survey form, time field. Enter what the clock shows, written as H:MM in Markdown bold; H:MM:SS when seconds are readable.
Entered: **5:47**
